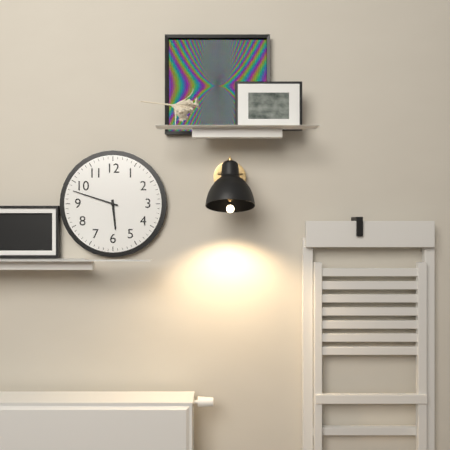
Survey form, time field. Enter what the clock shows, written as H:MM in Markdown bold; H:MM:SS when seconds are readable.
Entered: **5:48**
